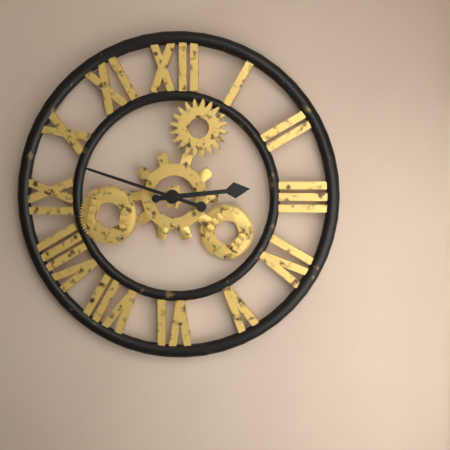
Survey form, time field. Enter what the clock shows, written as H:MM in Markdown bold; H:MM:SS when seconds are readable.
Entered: **2:48**
